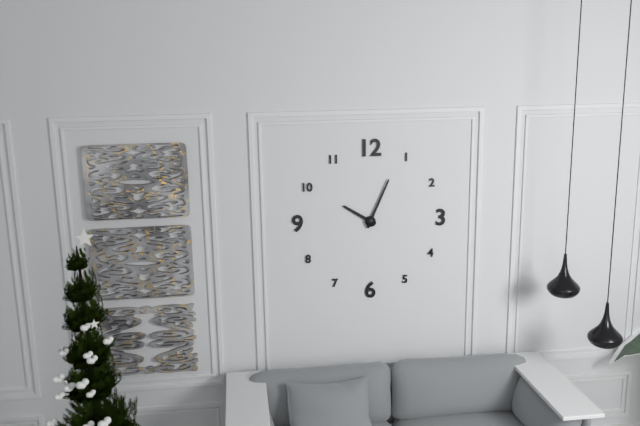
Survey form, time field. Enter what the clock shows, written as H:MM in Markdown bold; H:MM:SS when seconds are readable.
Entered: **10:04**
